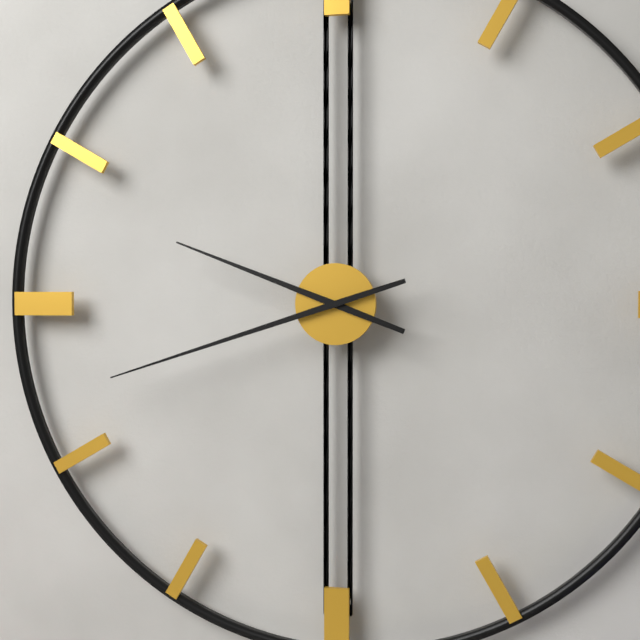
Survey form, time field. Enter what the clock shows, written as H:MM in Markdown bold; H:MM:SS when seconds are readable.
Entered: **9:42**
